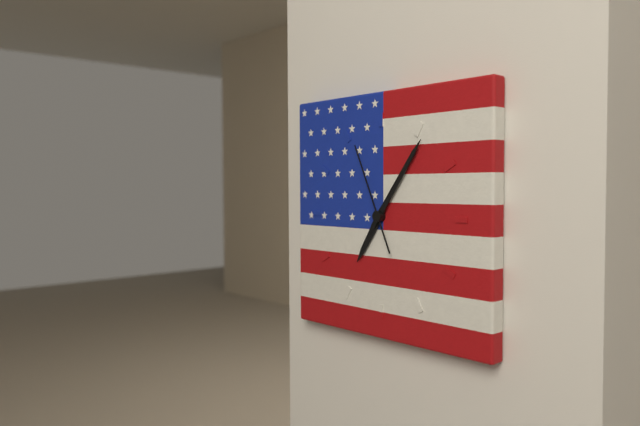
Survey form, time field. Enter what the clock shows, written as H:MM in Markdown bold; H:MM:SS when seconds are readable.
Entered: **7:06:56**
